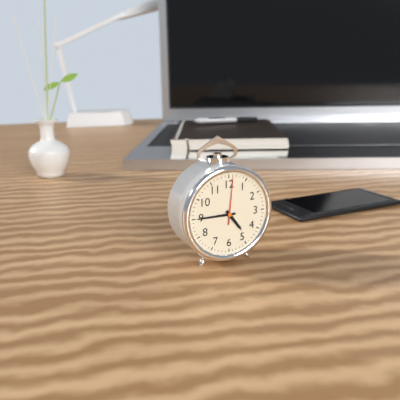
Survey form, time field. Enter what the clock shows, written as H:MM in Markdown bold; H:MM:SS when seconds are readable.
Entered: **4:45**
